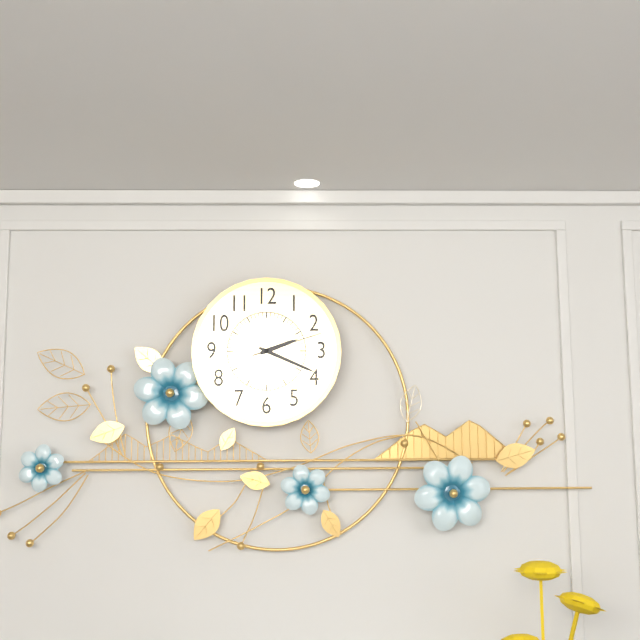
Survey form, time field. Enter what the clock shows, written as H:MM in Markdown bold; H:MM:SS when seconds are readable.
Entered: **2:19:12**
